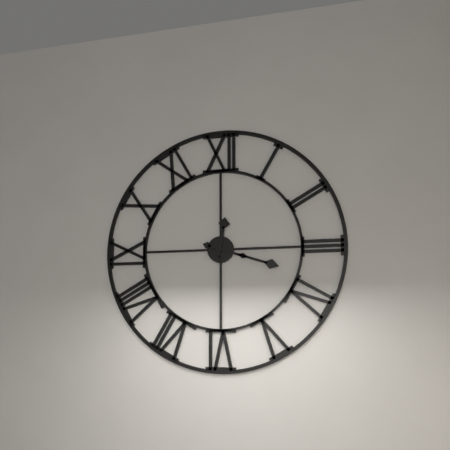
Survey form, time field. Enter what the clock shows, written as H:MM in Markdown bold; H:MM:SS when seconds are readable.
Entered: **12:18**
